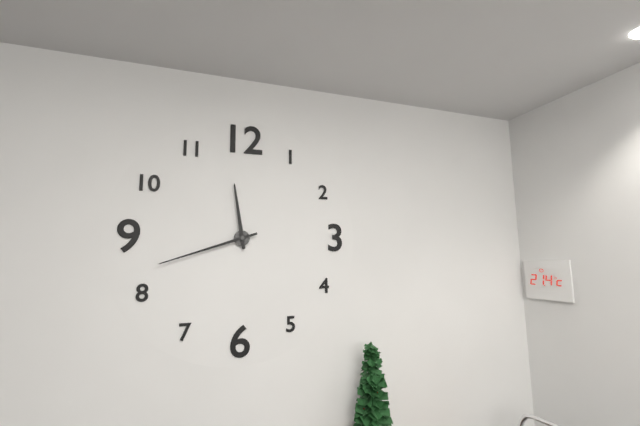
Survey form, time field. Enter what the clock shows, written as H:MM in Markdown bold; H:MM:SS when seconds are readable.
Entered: **11:42**
